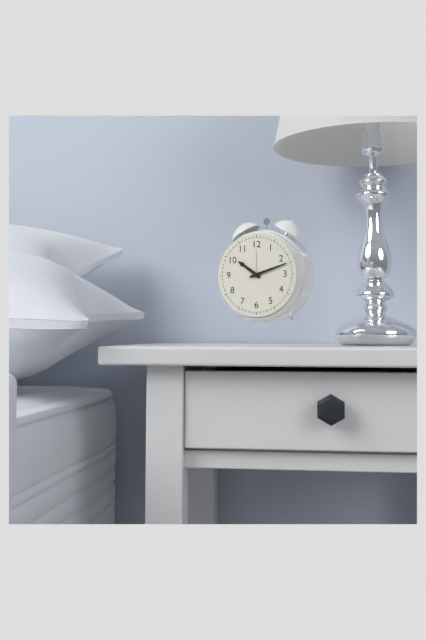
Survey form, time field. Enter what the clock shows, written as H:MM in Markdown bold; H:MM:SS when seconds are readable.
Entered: **10:12**
